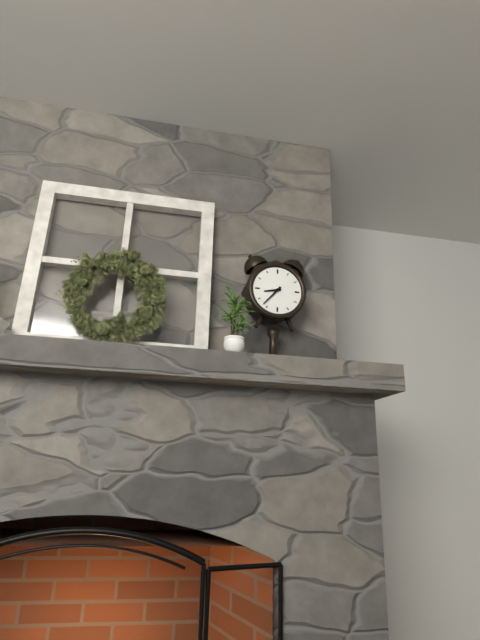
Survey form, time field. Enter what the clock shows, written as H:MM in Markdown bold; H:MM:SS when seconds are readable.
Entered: **8:37**
